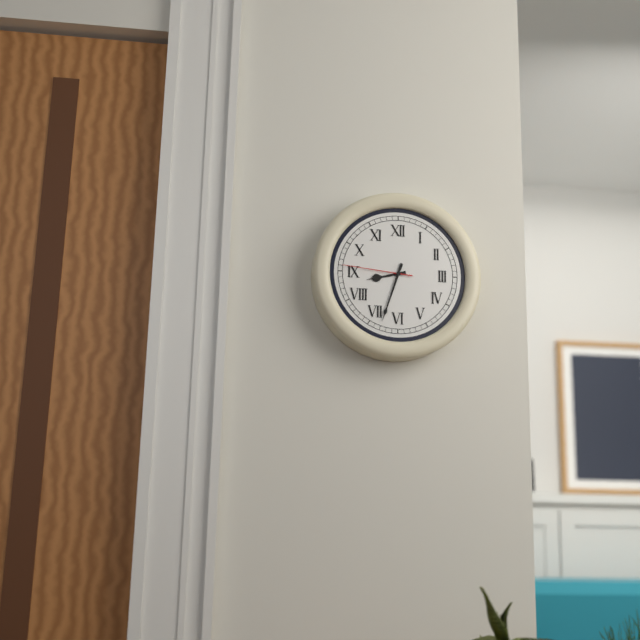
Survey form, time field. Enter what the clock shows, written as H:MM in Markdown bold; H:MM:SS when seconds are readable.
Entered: **8:33:46**
